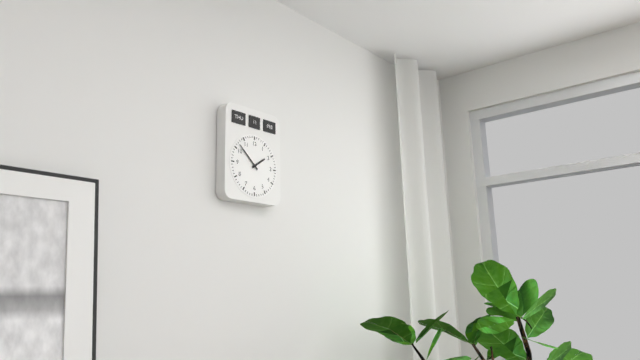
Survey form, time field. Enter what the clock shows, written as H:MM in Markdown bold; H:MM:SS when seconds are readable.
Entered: **1:52**
